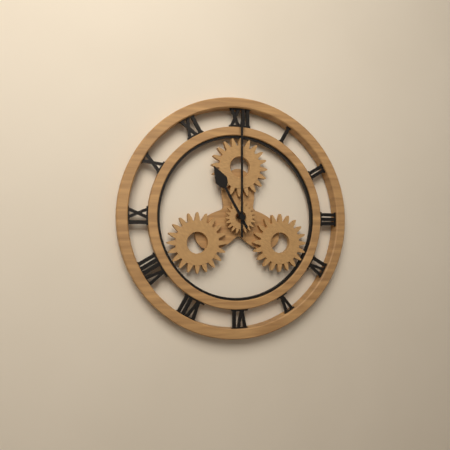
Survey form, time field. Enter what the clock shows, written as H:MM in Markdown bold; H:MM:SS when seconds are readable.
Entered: **11:00**
